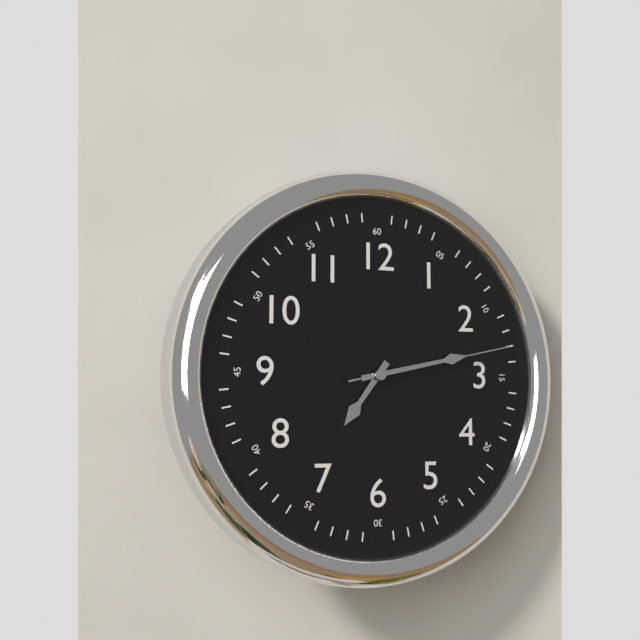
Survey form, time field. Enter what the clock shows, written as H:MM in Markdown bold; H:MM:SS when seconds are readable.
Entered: **7:13:13**
